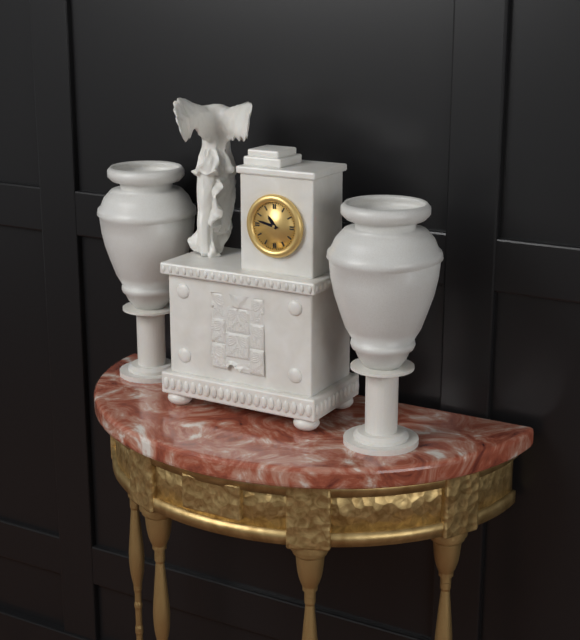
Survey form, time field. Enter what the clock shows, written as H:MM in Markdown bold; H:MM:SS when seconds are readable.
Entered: **10:47**
